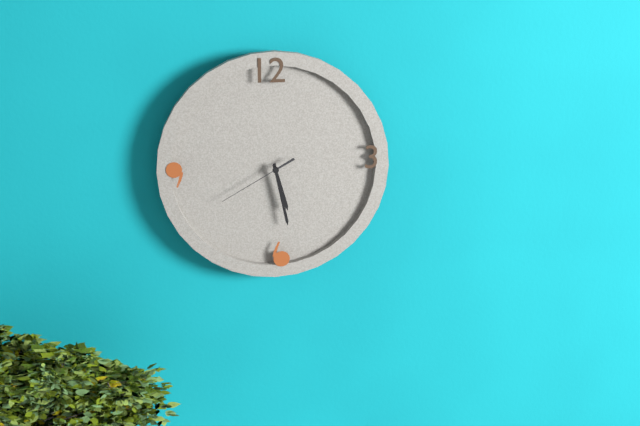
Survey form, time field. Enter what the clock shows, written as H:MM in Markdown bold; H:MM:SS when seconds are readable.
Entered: **5:28:40**
